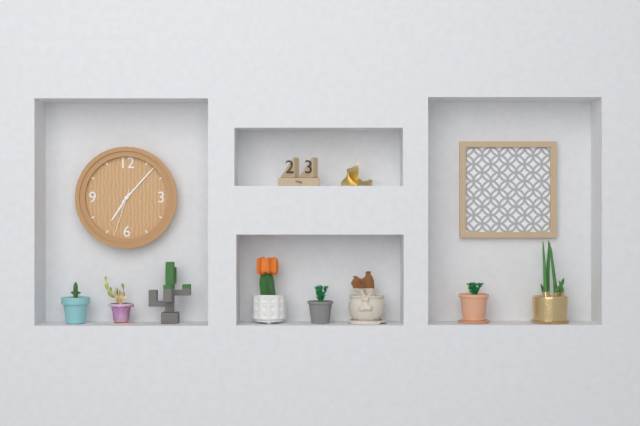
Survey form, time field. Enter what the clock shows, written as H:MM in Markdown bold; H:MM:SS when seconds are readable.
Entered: **7:07:33**
